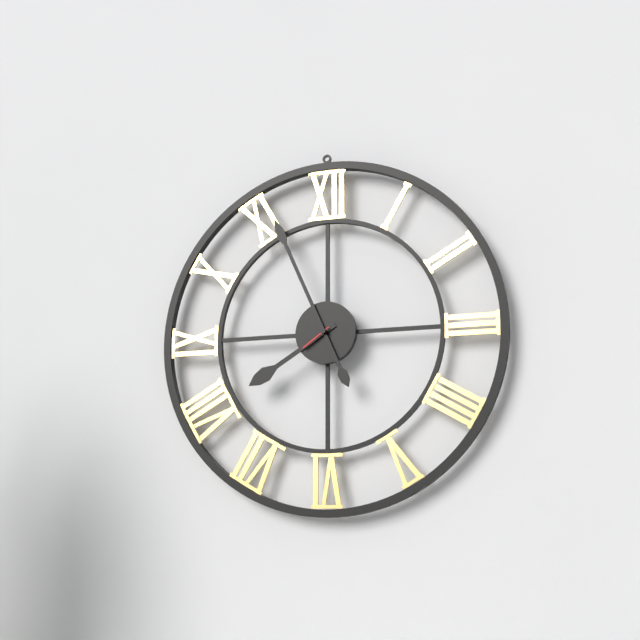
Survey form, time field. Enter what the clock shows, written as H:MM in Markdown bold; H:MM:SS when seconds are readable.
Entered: **7:56**
